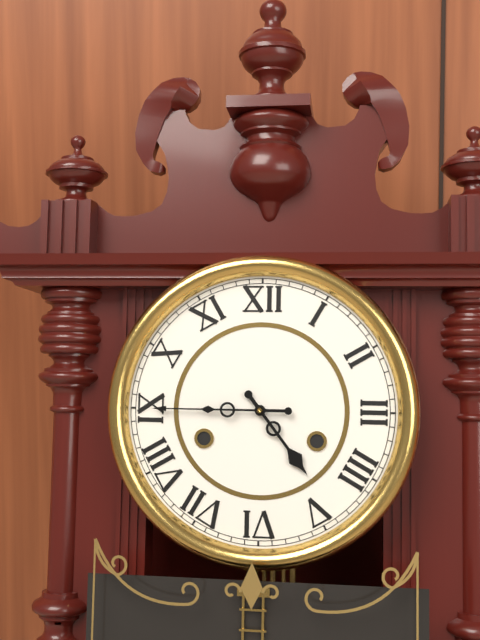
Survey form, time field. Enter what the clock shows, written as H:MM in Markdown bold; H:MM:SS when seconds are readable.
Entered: **4:45**
